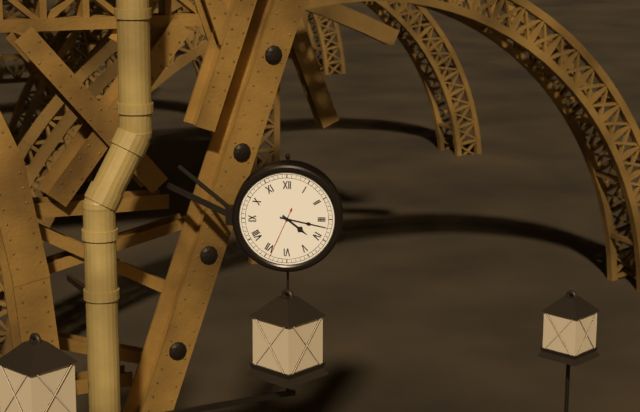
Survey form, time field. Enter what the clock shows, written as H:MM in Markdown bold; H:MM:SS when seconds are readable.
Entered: **4:17:34**
